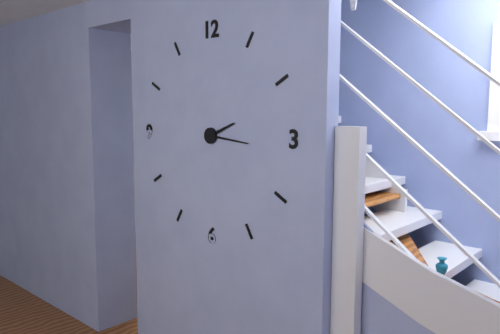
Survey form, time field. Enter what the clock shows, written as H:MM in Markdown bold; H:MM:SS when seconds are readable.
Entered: **2:16**
